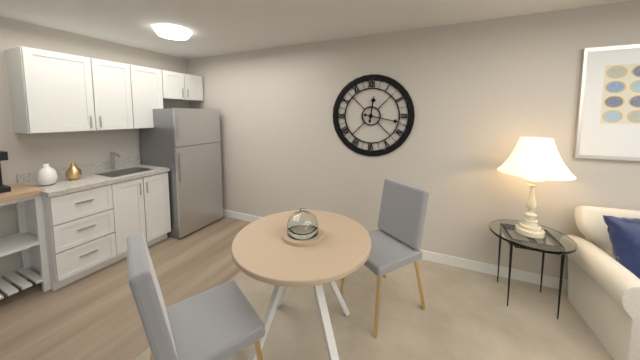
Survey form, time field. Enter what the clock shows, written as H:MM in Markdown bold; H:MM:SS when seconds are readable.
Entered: **12:17**
